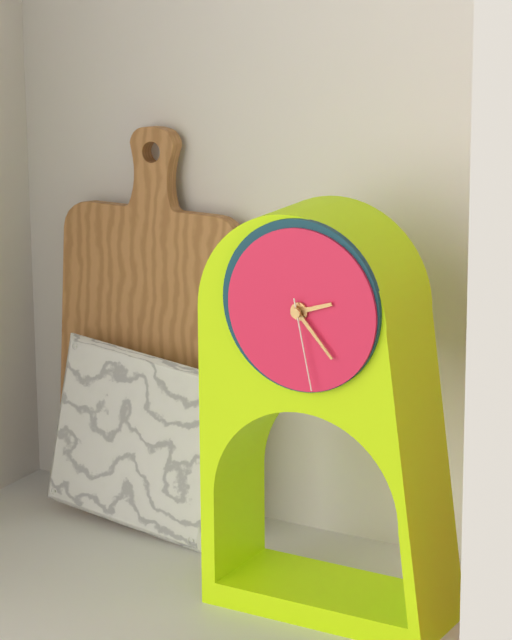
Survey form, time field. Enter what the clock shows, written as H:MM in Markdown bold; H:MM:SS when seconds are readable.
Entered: **2:23:28**
